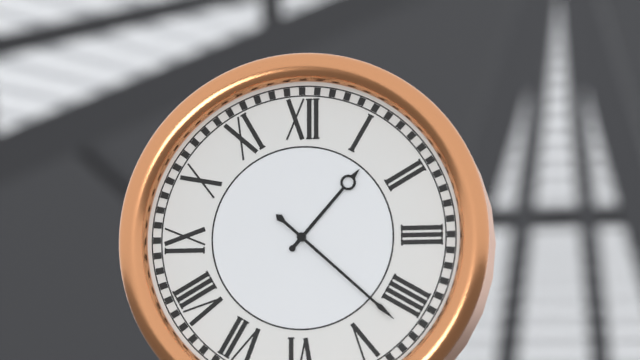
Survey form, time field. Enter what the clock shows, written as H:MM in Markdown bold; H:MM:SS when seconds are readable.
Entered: **1:22**
